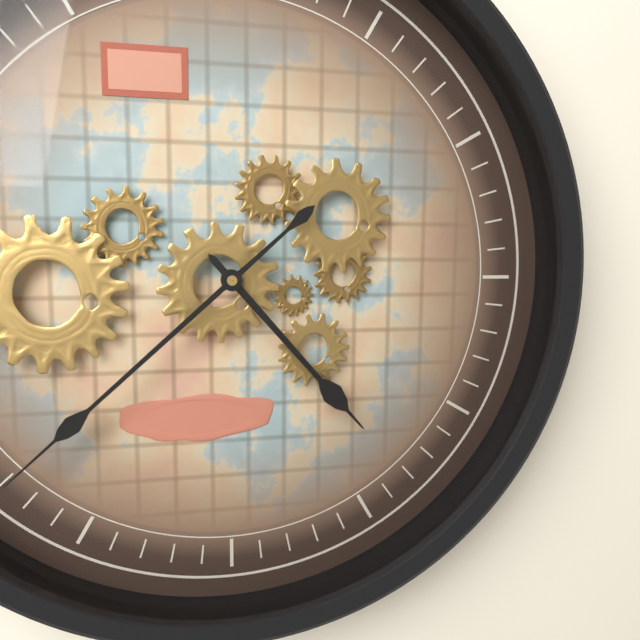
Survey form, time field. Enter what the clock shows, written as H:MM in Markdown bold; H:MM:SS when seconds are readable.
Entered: **4:38**
